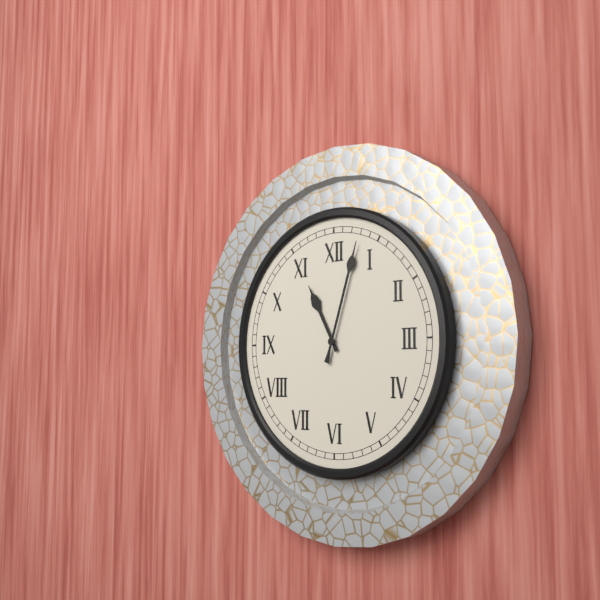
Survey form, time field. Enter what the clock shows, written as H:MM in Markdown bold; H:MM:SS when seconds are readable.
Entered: **11:03**
